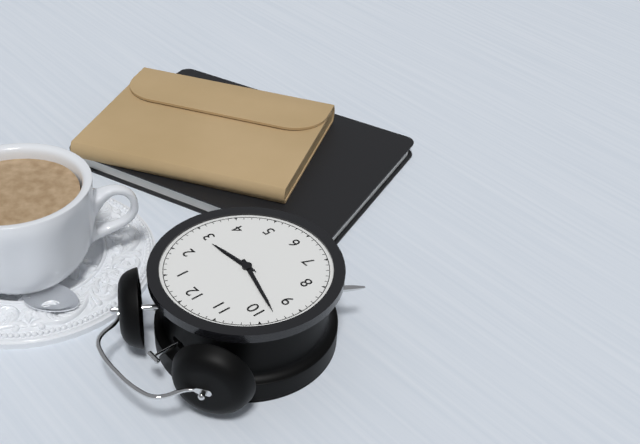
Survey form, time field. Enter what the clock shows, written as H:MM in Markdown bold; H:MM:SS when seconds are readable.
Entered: **2:48**
